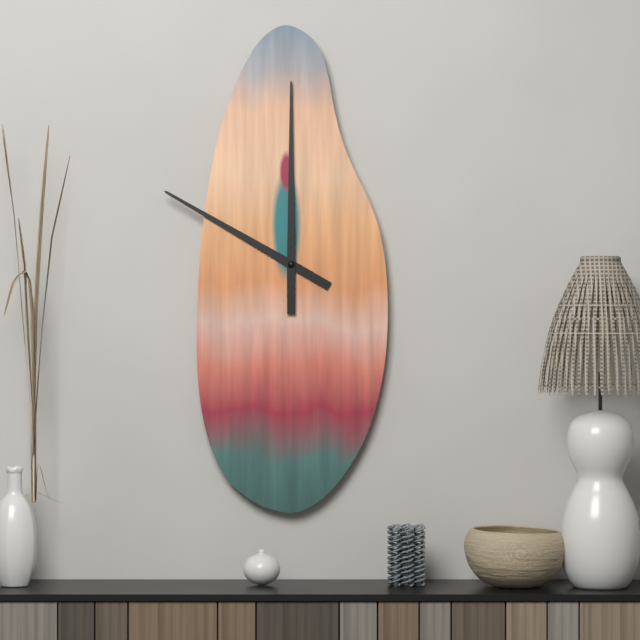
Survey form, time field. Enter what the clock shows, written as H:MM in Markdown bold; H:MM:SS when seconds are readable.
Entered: **10:00**
